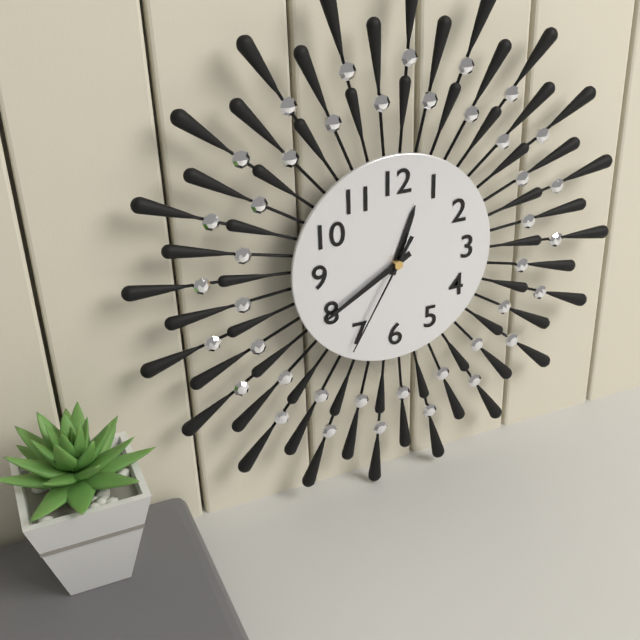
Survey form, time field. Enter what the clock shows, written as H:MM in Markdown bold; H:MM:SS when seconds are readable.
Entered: **12:40:35**
